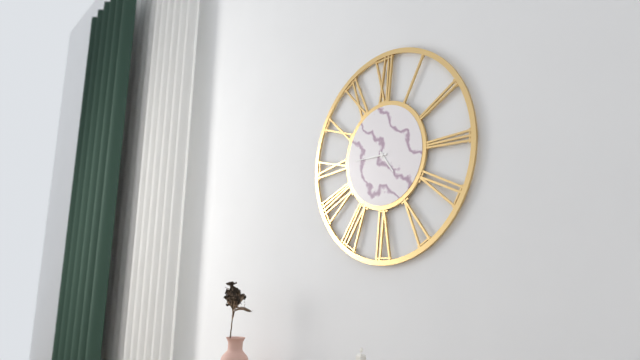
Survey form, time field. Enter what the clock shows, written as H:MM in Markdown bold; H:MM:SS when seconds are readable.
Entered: **4:45**
